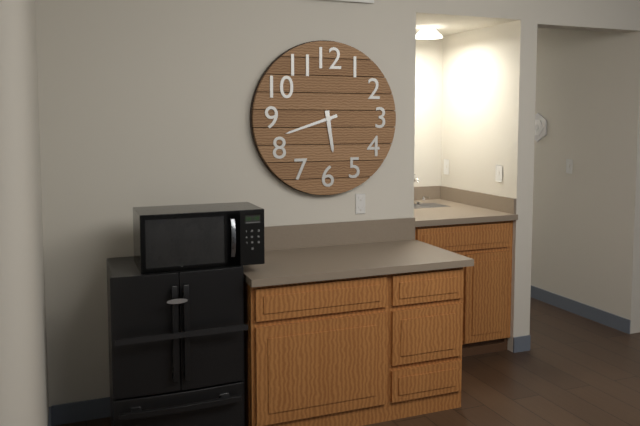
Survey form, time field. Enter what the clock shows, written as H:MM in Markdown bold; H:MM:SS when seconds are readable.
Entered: **5:42**
